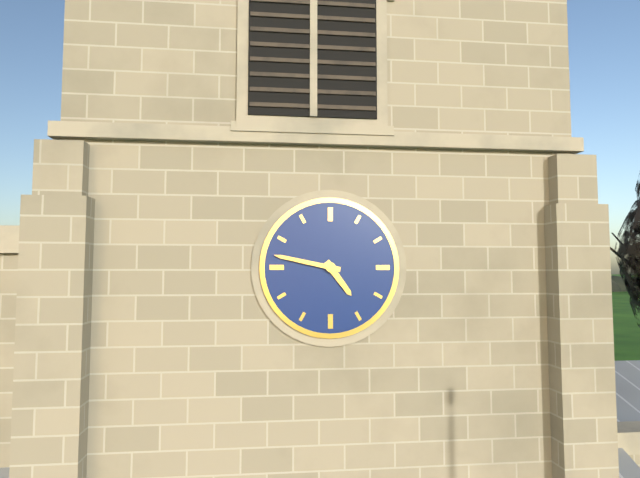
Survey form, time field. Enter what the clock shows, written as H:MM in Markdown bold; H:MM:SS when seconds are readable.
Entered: **4:47**
